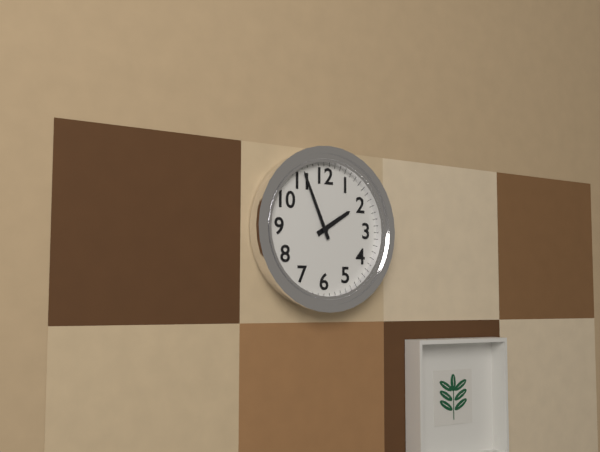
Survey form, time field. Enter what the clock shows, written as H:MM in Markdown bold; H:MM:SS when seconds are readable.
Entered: **1:56**
